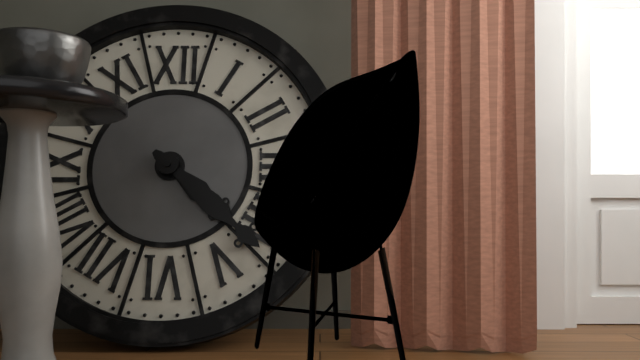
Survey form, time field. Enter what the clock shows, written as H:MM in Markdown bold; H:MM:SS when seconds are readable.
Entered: **4:22**
